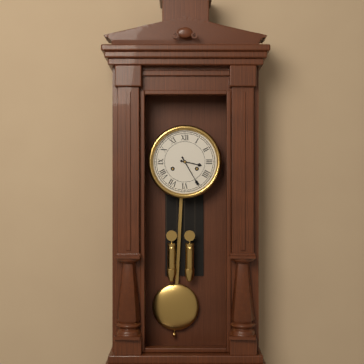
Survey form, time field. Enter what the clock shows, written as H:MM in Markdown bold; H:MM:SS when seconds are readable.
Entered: **3:25**
